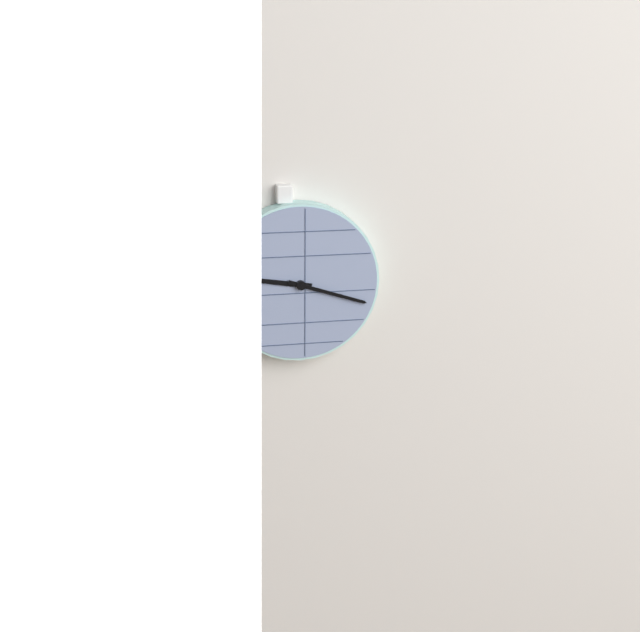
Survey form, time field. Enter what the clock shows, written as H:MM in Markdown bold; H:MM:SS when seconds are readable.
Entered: **9:18**
